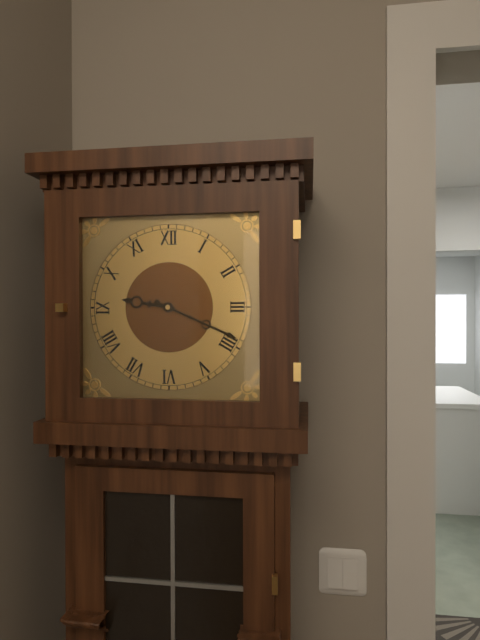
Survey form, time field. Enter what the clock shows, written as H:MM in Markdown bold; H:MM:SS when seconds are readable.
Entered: **9:19**
